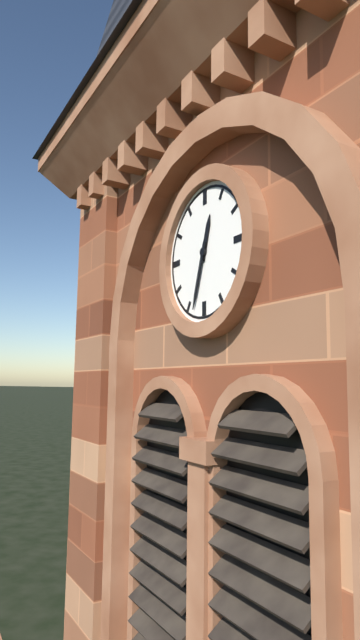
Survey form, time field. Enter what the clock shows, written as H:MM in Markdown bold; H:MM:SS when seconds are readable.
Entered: **12:33**
